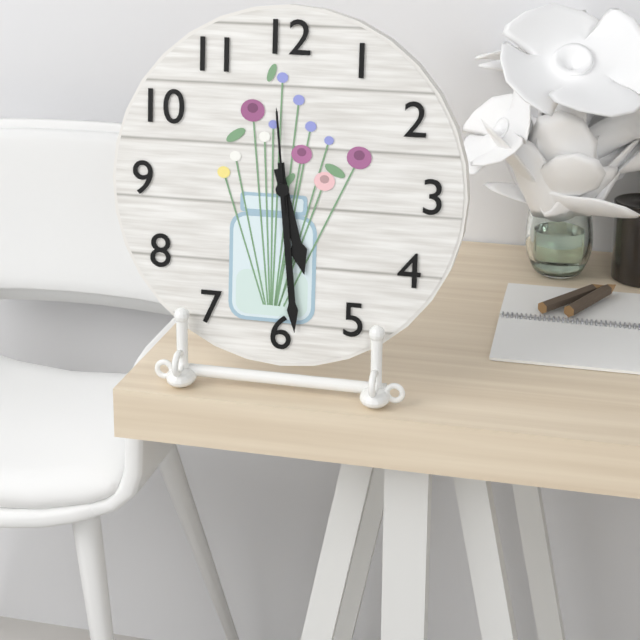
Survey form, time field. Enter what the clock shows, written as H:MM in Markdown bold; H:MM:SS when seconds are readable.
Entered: **5:29:59**
